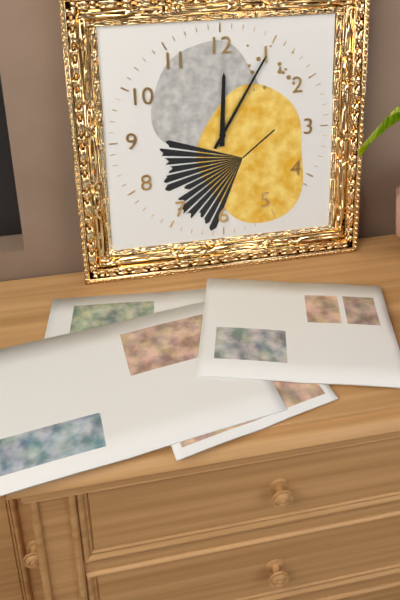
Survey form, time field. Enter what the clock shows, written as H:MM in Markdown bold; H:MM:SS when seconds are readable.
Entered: **12:05**
